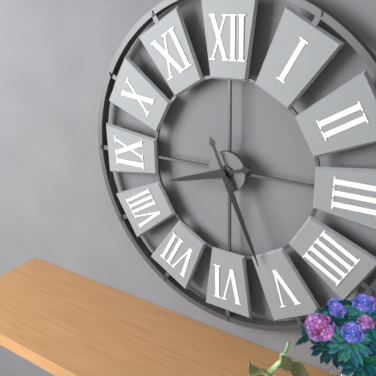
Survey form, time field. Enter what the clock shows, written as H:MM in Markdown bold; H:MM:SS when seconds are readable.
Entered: **8:26**
